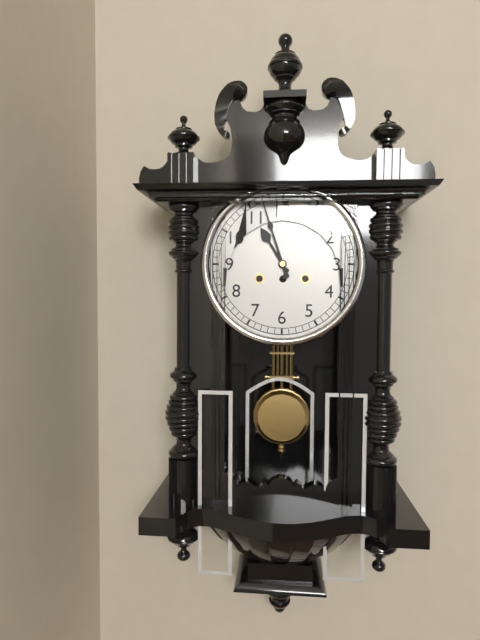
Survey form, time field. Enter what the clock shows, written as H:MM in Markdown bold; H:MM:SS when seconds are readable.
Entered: **10:57**
